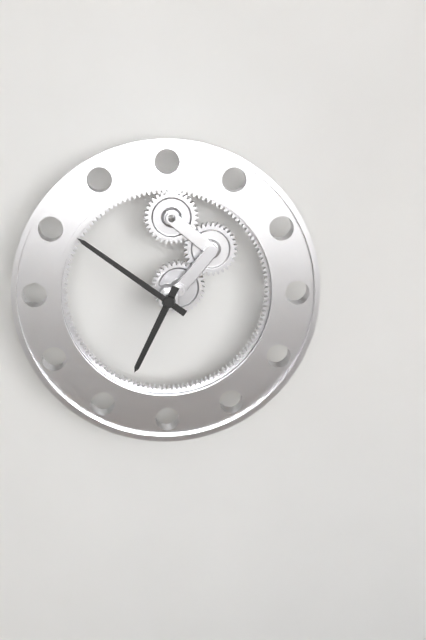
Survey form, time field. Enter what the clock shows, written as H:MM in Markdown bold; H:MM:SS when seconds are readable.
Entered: **6:51**
